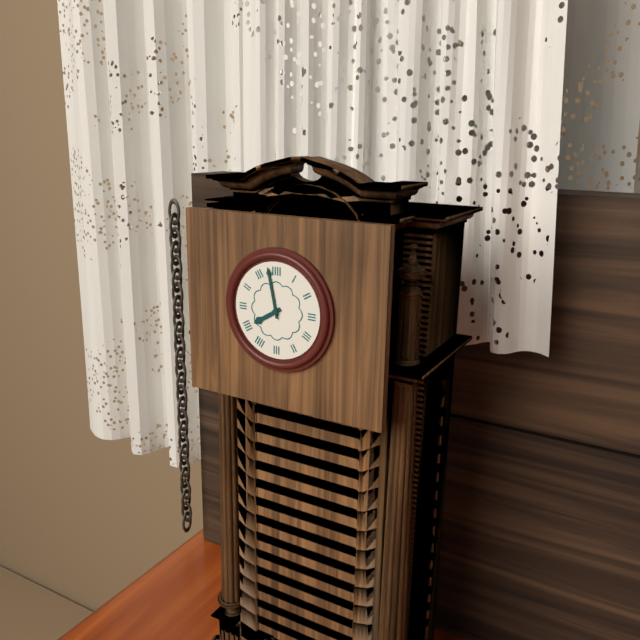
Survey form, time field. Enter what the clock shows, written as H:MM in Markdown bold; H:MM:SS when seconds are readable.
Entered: **7:58**
